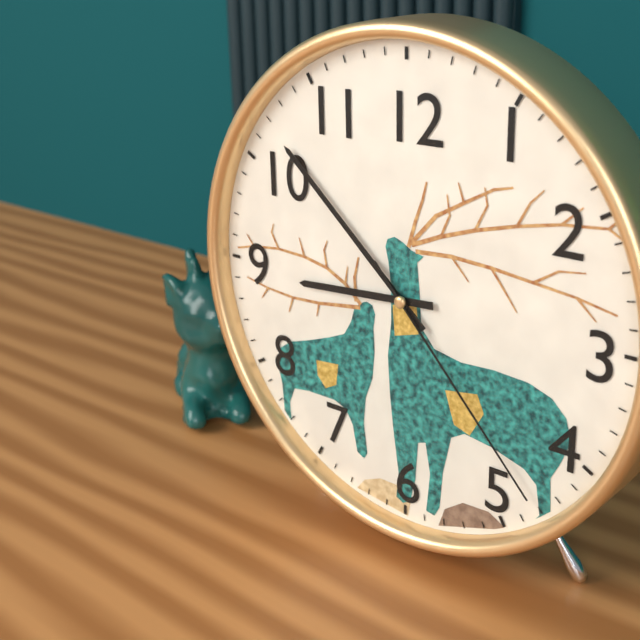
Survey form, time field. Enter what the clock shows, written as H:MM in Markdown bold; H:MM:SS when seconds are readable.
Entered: **8:52:23**
